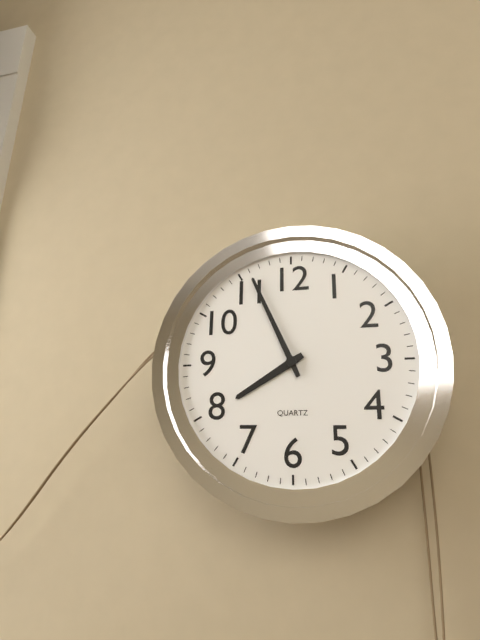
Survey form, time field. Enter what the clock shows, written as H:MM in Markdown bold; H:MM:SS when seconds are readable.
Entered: **7:56**
